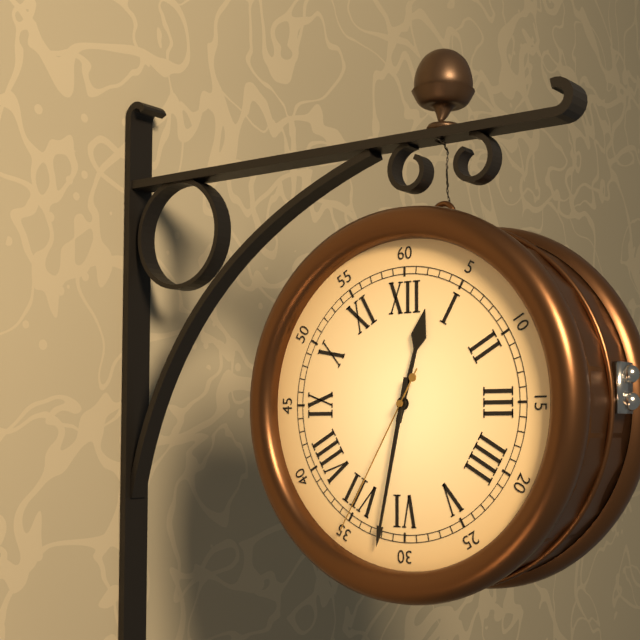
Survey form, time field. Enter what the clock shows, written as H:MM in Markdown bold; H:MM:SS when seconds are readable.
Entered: **12:32:35**
